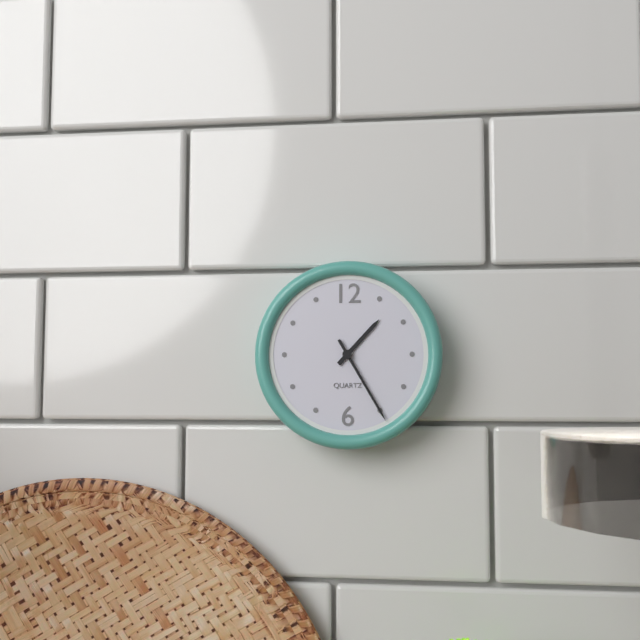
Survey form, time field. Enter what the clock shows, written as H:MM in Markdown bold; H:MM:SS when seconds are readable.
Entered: **1:25**
